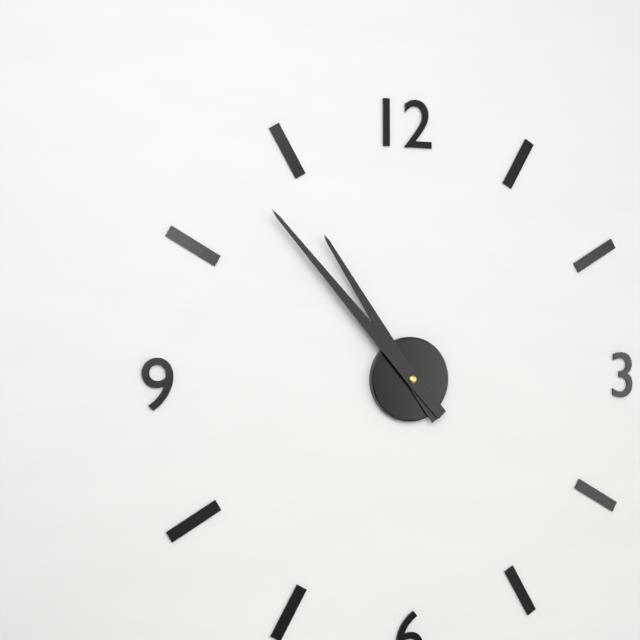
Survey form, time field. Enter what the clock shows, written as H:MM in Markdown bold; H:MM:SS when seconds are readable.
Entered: **10:53**
